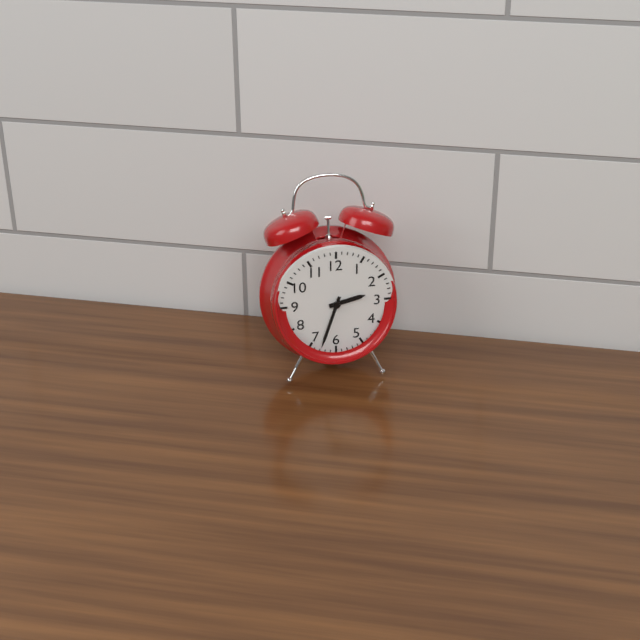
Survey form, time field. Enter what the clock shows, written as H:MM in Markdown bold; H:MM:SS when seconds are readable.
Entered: **2:33**
